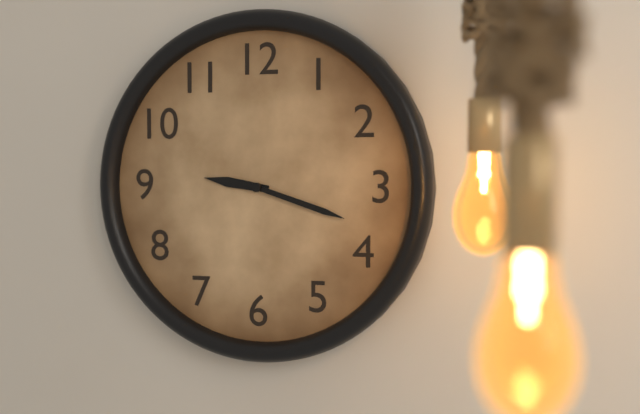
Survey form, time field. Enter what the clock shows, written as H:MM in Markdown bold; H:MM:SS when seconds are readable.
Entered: **9:18**
